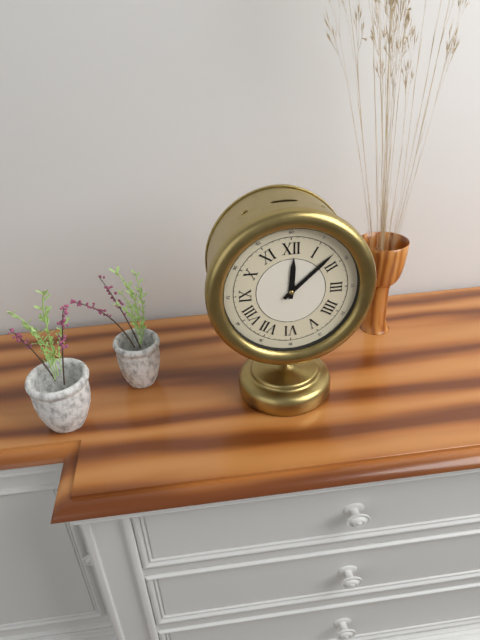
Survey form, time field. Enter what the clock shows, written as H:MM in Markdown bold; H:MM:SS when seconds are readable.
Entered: **12:08**
